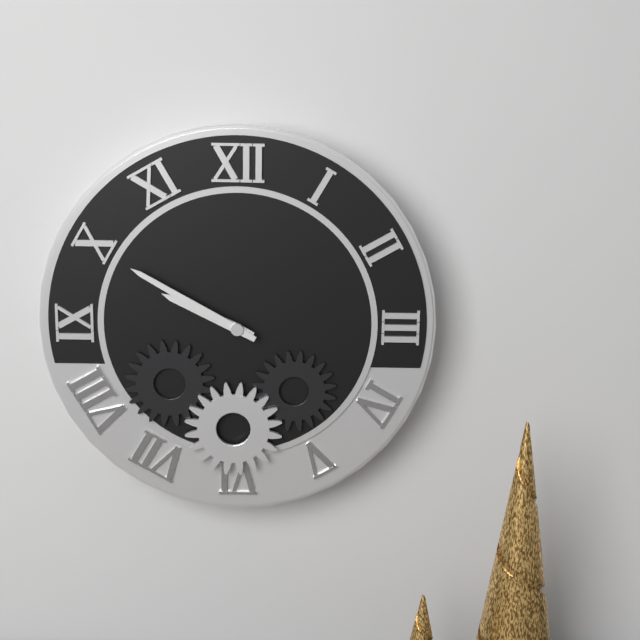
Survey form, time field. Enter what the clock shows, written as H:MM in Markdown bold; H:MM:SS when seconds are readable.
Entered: **9:50**
